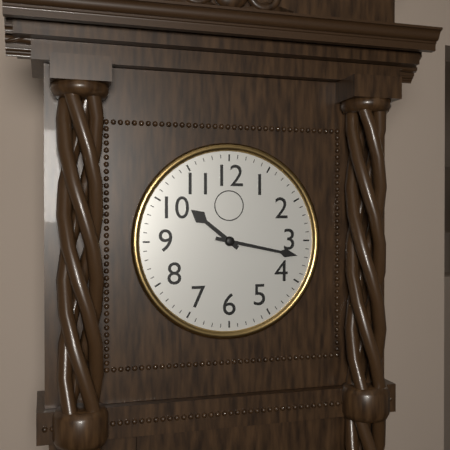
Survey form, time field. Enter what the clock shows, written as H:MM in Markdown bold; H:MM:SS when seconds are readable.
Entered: **10:17**
